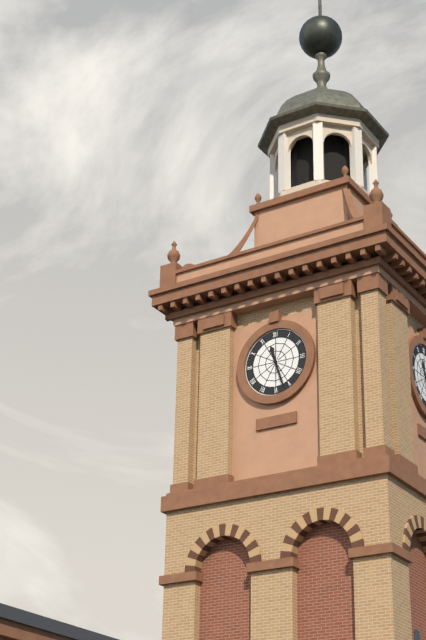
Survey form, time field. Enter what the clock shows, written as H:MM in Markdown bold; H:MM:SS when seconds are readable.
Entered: **11:27**
